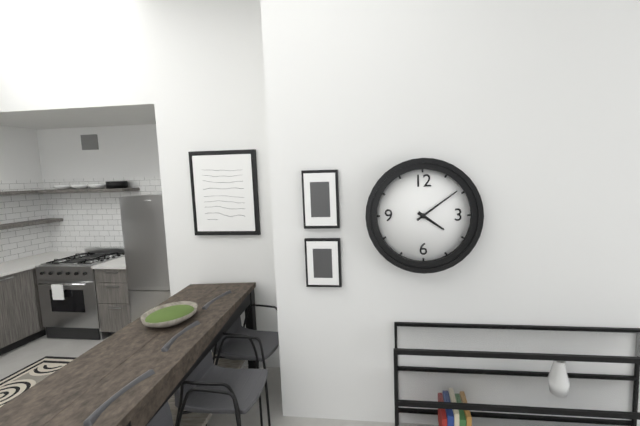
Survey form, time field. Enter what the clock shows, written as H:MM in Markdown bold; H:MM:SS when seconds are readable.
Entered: **4:09**
